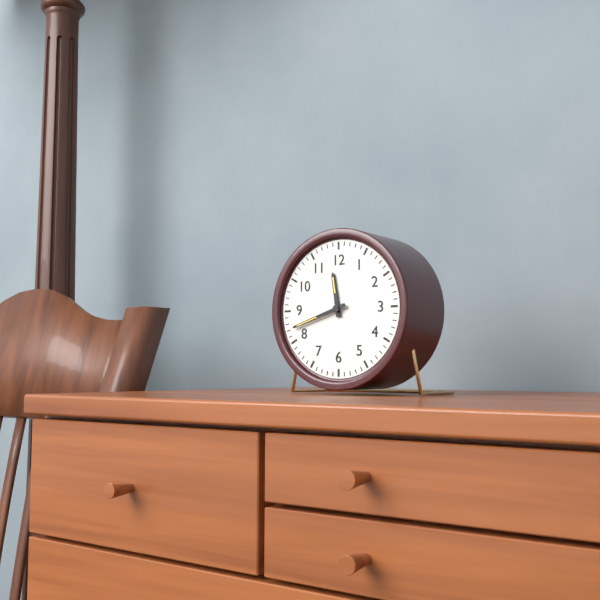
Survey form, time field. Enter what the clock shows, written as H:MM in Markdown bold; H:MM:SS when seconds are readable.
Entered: **11:42**
